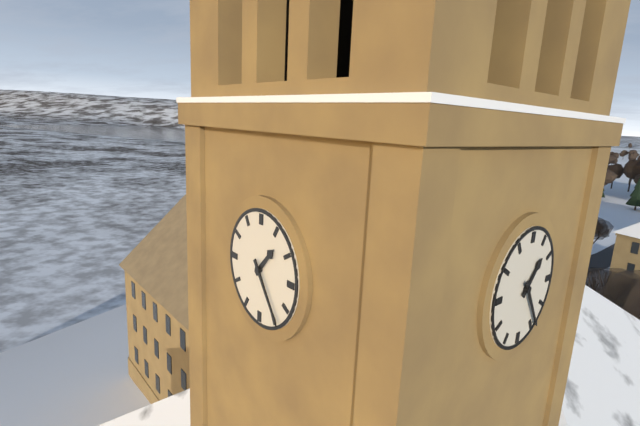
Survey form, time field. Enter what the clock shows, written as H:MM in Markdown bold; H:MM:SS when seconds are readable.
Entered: **1:24**
